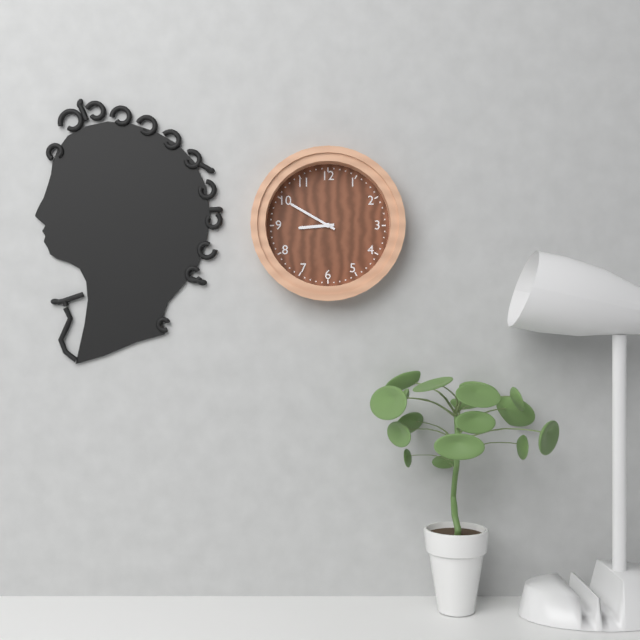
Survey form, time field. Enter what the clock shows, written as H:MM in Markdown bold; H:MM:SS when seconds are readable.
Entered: **8:50**
